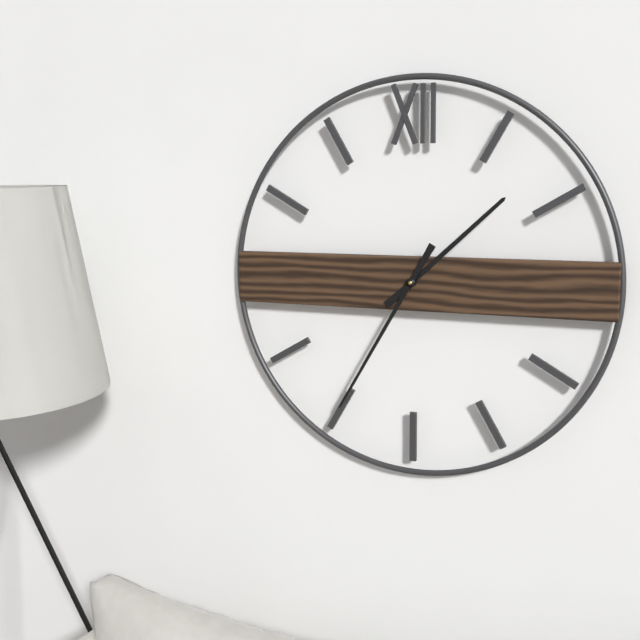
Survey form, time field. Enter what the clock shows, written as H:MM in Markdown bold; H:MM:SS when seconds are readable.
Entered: **1:35**
